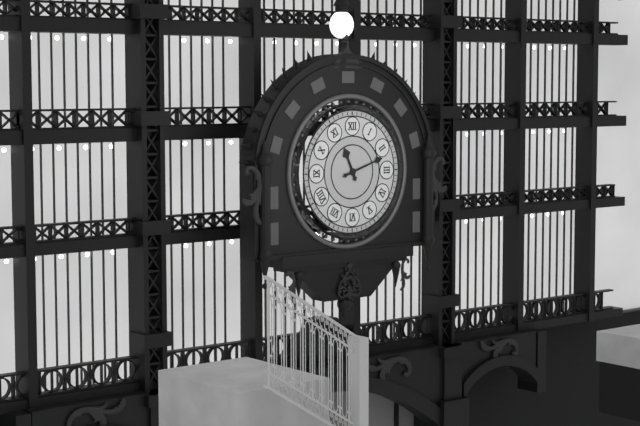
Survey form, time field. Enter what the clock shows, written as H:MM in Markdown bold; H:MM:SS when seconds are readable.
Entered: **11:12**
